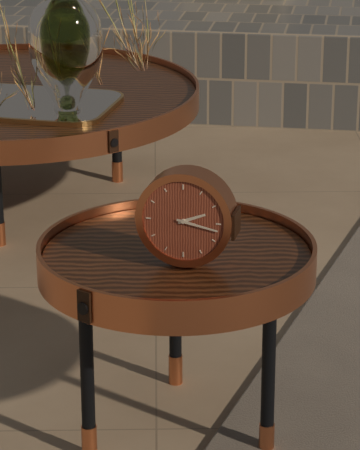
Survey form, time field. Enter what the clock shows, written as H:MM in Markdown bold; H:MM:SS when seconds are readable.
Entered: **2:17**
